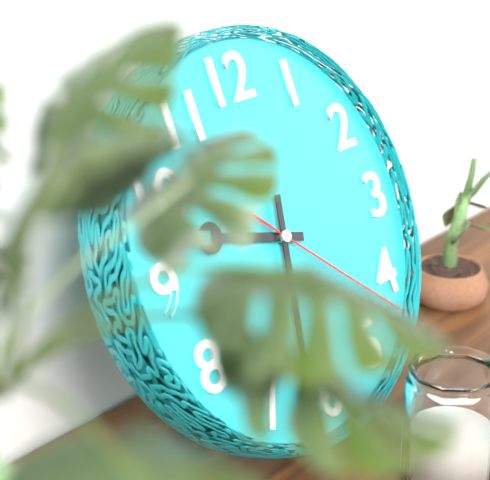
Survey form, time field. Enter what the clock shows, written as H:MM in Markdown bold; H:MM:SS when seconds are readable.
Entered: **9:32:22**
